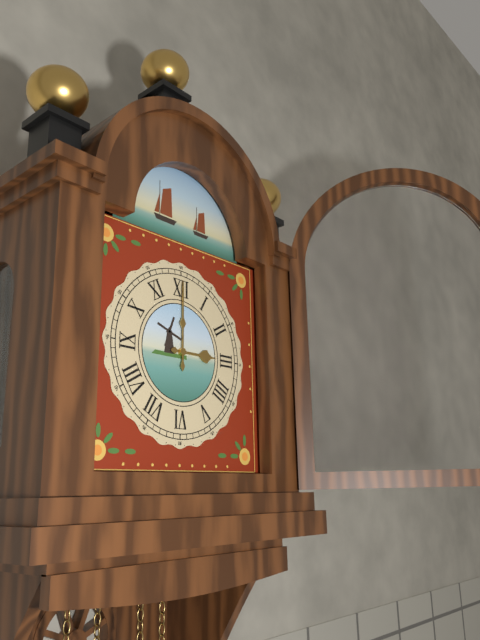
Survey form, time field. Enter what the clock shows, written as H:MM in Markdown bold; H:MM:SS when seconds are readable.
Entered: **3:00**
